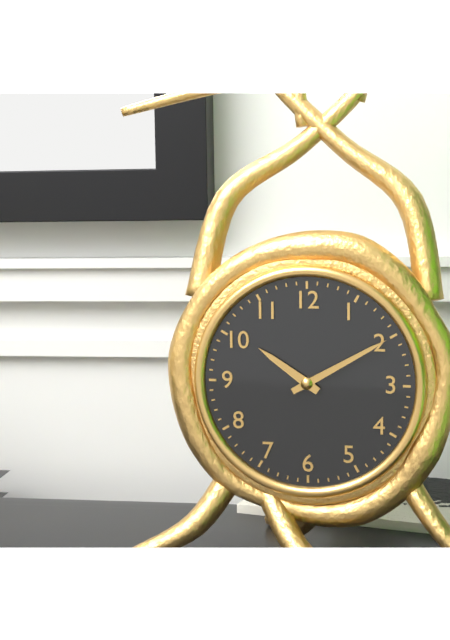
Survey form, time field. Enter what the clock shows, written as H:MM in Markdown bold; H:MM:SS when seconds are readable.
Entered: **10:10**
